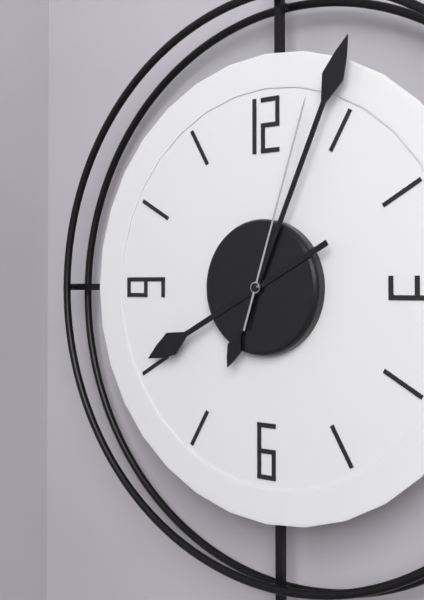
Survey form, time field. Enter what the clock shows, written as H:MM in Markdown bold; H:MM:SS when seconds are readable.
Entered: **8:04:03**
